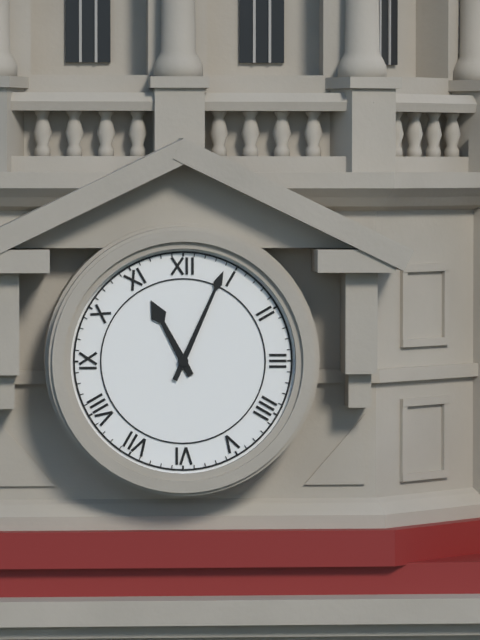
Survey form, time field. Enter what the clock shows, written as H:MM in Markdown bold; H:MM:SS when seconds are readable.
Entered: **11:04**
